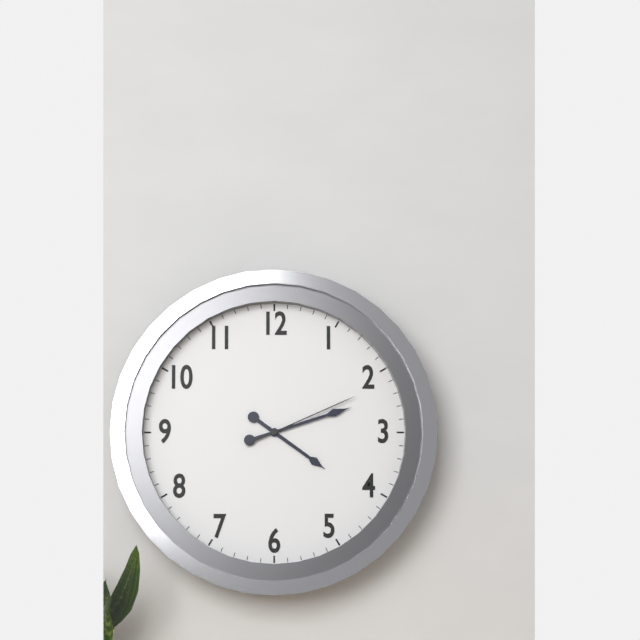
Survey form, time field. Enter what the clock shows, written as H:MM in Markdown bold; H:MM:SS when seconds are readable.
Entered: **4:12:11**
